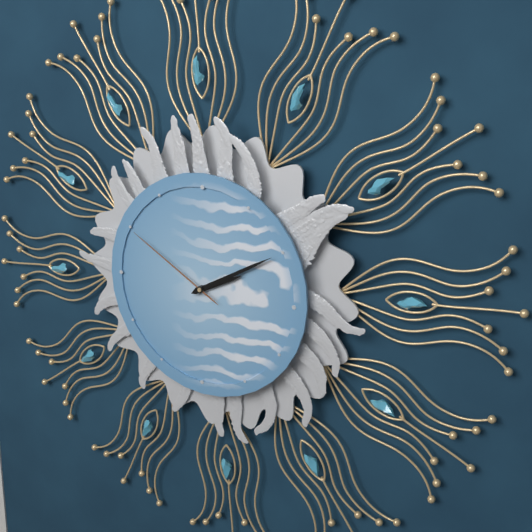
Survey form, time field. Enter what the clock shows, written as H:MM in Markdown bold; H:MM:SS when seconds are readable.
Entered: **2:10:50**
